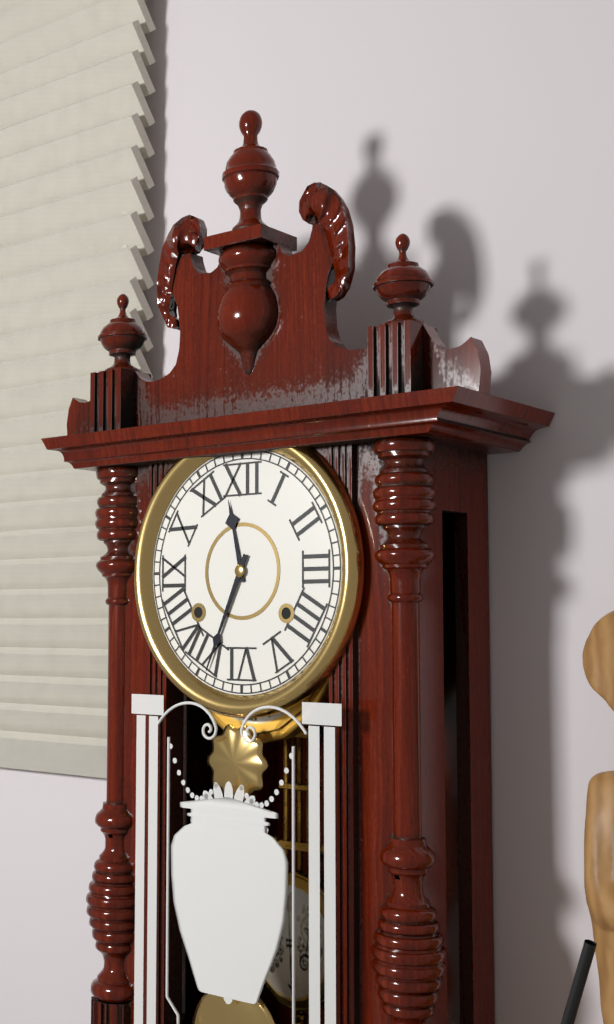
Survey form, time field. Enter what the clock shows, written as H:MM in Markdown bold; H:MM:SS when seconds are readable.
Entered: **11:34**
